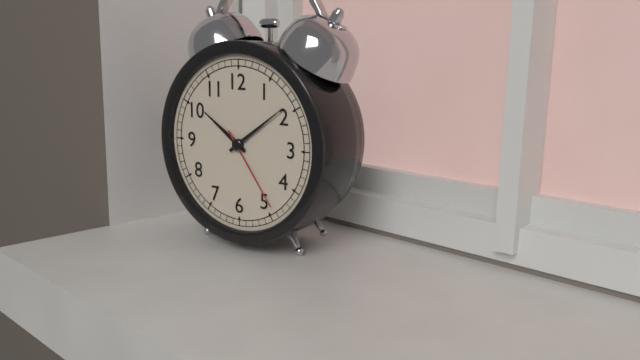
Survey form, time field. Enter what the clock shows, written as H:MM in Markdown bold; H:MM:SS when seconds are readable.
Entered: **10:09:24**
